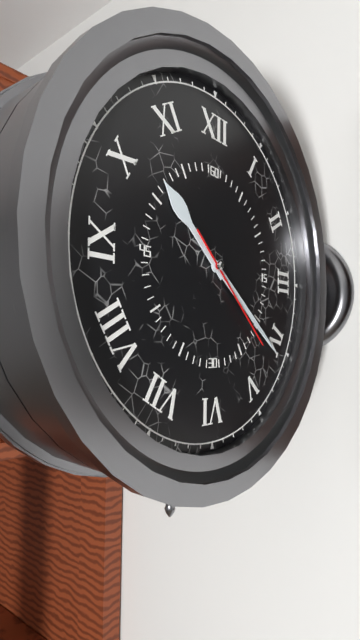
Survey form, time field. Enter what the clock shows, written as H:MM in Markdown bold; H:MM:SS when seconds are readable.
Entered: **10:21:22**
